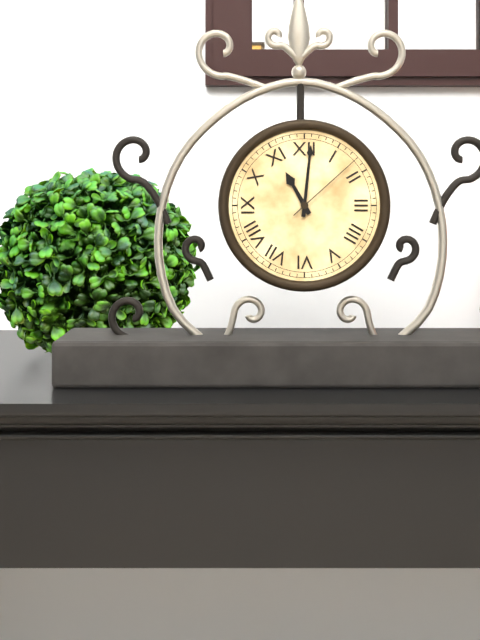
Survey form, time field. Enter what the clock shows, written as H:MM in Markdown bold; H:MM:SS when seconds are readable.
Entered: **11:01:08**
